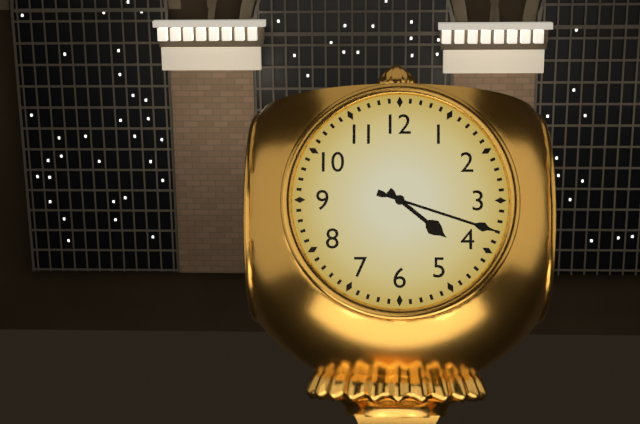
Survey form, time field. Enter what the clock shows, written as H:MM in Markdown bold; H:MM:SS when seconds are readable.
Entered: **4:18**
